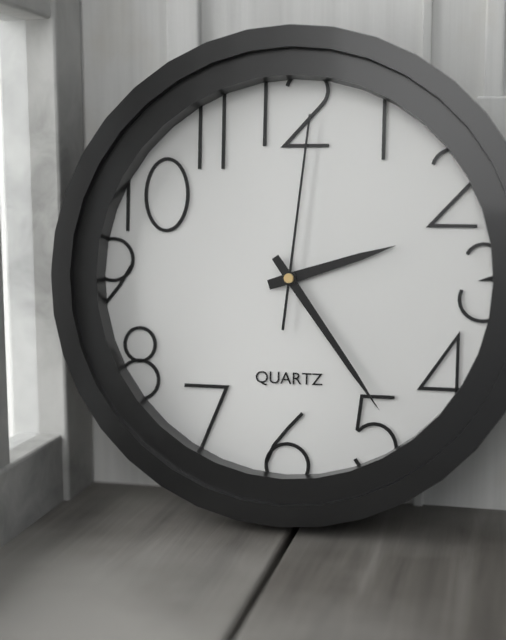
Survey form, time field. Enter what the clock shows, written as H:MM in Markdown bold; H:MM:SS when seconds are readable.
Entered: **2:24:01**
